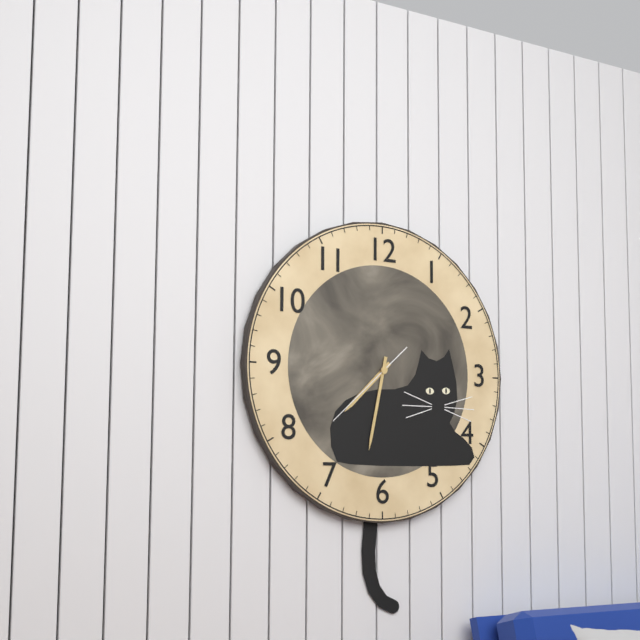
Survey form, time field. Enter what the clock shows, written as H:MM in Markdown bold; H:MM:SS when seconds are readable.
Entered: **7:32:38**
